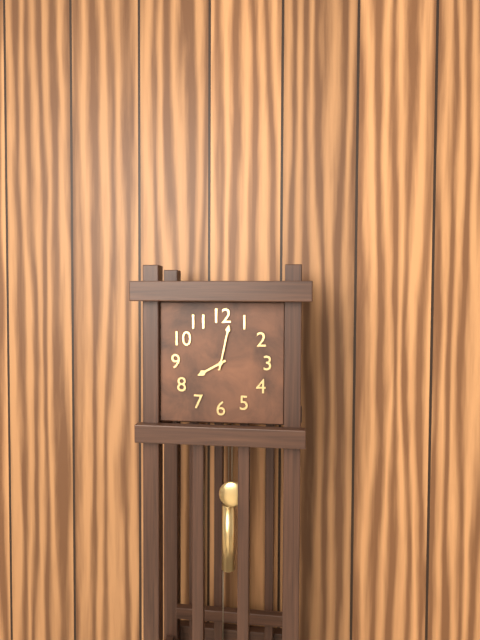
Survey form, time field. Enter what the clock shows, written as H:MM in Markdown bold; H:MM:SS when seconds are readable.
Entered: **8:02**
